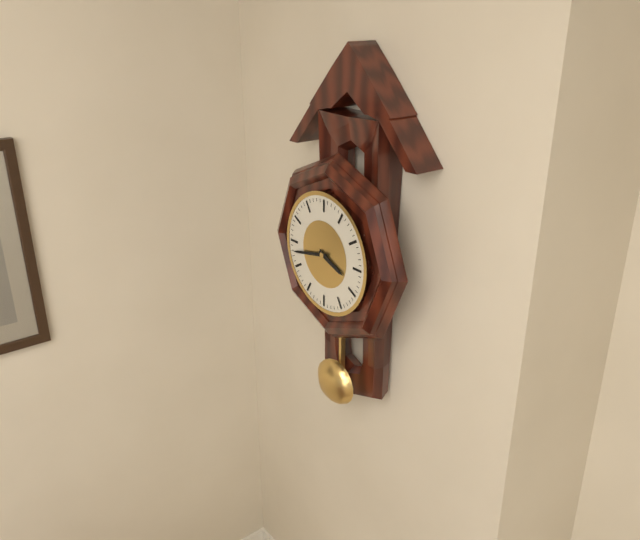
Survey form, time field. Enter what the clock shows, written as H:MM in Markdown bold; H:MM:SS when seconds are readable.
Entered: **3:43**
